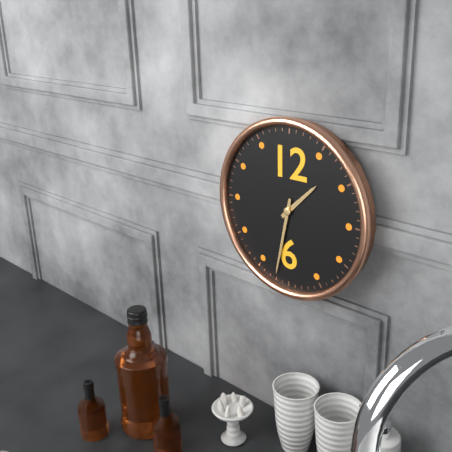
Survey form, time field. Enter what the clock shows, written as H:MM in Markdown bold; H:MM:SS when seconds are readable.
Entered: **1:32**
